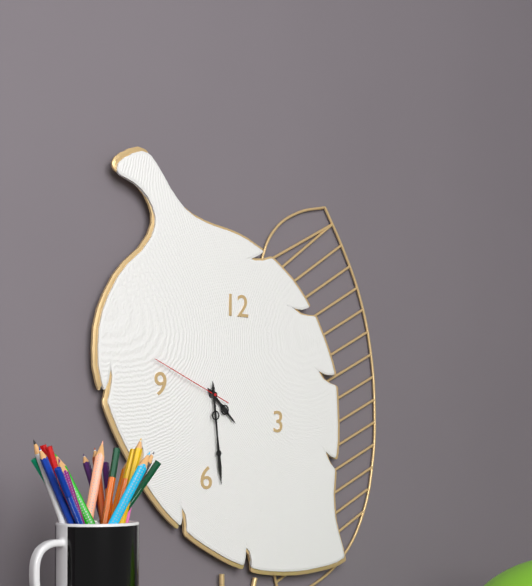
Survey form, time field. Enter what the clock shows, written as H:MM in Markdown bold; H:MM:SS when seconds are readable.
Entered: **4:29:49**
